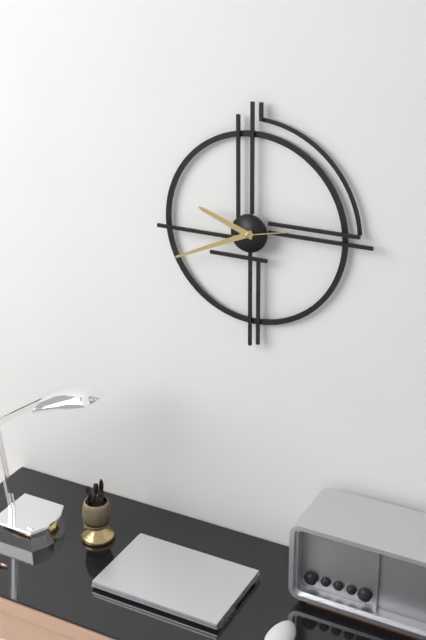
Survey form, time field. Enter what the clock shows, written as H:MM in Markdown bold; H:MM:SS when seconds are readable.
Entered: **9:41:13**
